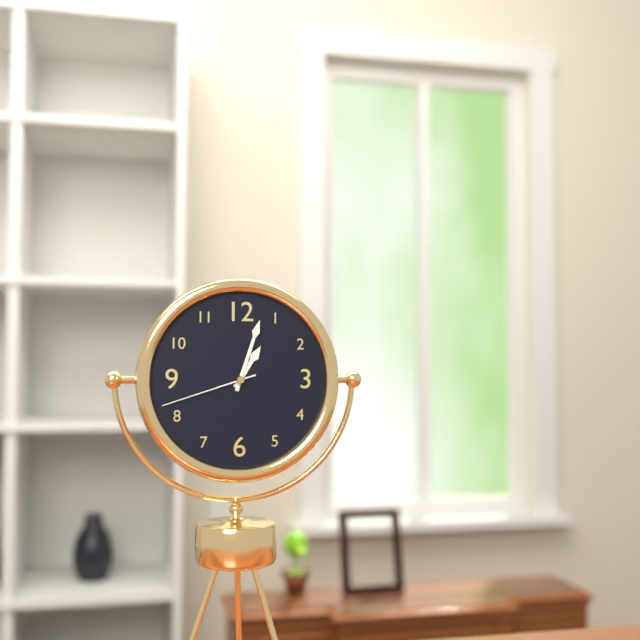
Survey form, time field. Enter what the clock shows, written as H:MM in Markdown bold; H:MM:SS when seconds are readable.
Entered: **1:03:42**
